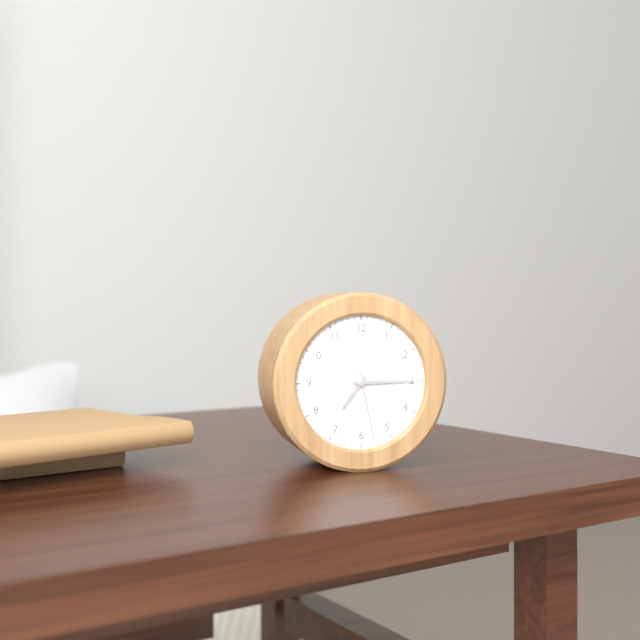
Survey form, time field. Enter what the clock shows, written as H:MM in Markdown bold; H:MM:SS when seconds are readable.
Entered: **7:15:28**
